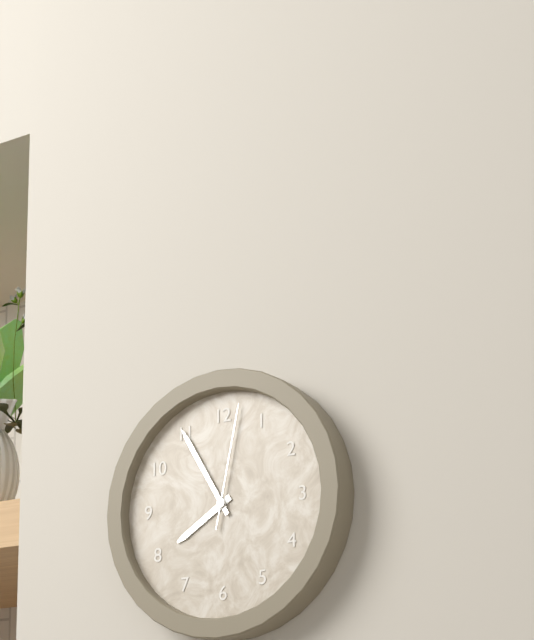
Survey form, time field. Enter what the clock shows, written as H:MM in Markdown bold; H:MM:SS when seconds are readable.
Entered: **7:55:02**
